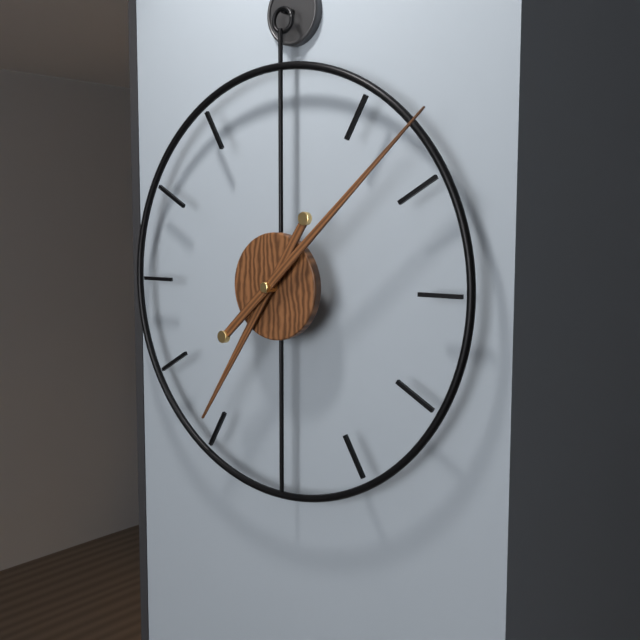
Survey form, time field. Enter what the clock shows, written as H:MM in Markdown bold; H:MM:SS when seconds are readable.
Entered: **7:08**
